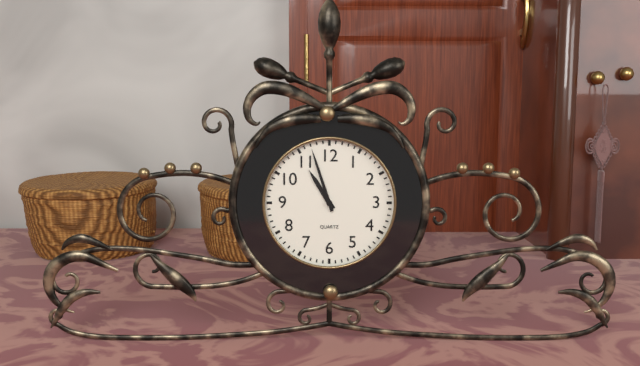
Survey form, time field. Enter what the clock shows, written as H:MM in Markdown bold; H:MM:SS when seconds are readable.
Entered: **10:57**
